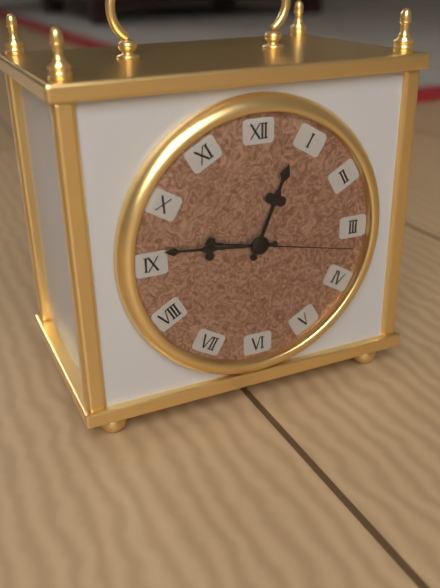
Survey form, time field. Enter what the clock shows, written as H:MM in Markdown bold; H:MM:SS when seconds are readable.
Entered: **12:46:17**
